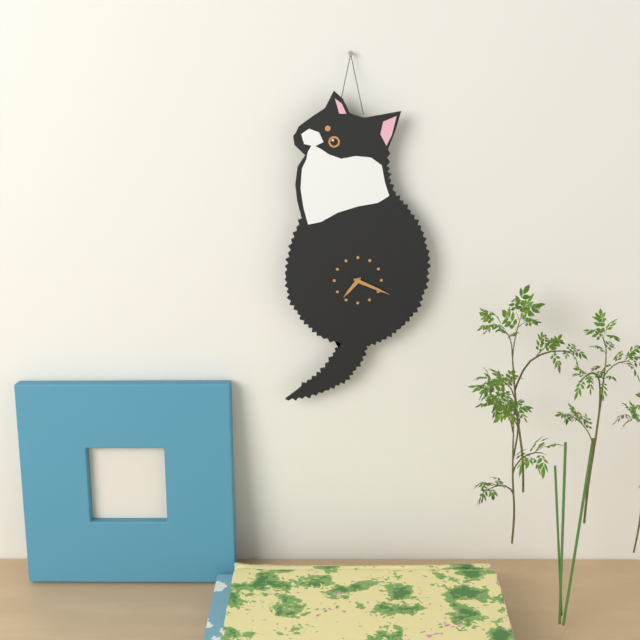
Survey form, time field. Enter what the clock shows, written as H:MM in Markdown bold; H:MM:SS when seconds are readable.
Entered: **7:19**
